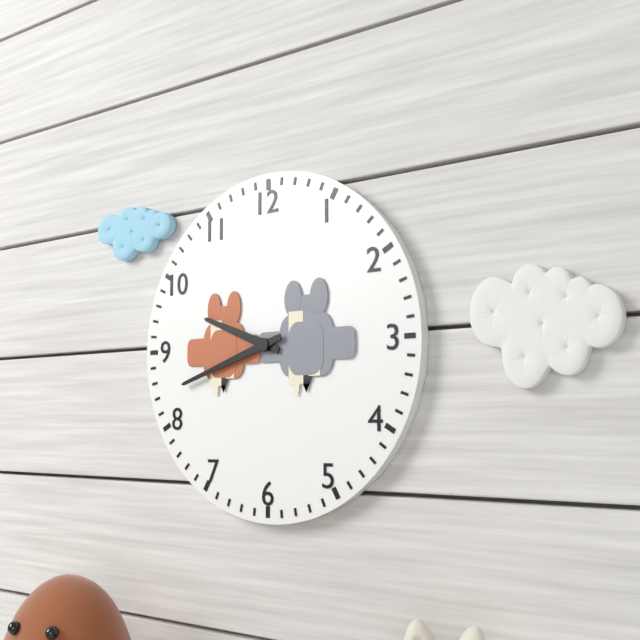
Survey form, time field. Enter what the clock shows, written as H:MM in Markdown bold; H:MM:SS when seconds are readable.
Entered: **9:42**
